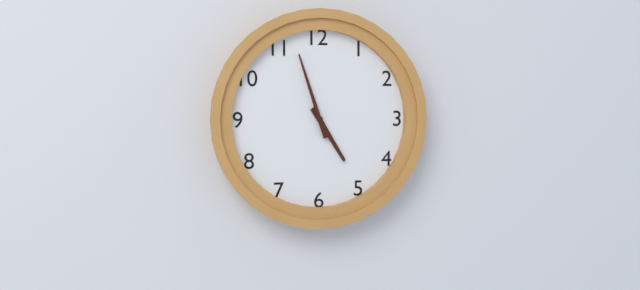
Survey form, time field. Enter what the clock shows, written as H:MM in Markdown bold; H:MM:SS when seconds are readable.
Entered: **4:57**
